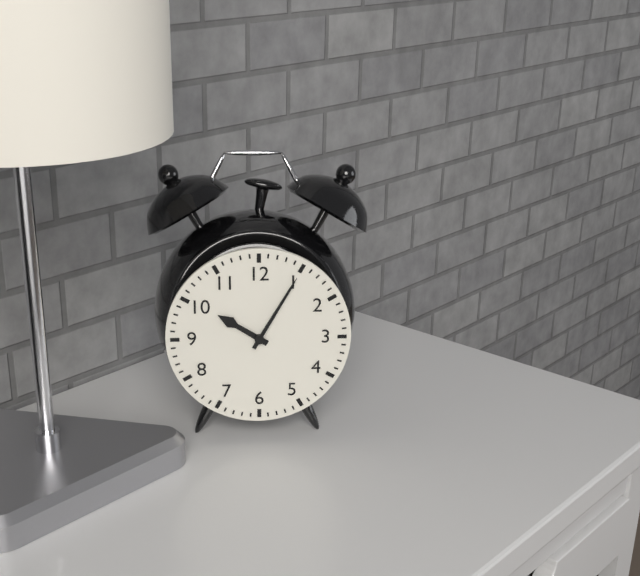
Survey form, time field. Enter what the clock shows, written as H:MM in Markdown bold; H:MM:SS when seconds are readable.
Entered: **10:05**
